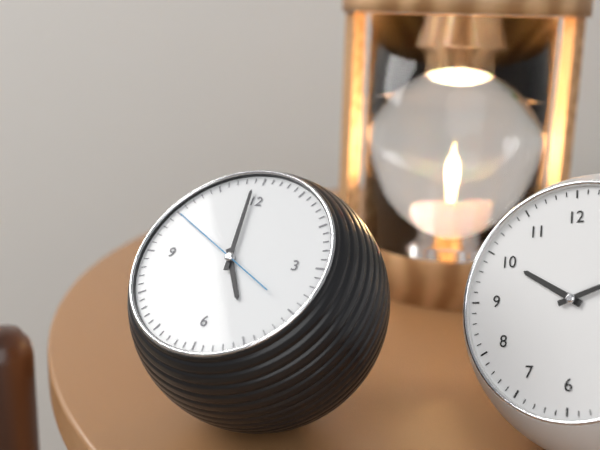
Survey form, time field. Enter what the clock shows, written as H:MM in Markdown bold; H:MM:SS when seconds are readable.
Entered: **4:59:50**
